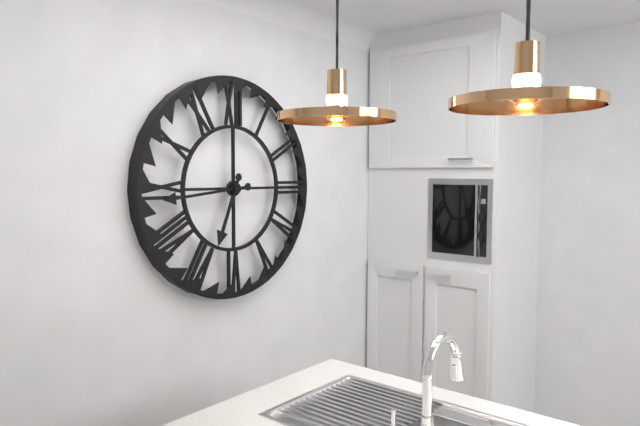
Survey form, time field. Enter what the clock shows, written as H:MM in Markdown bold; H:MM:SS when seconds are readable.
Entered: **6:44**
